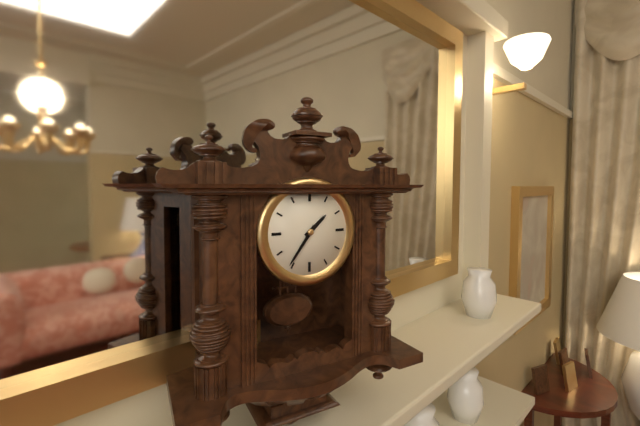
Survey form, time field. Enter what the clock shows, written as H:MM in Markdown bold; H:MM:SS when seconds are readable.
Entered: **1:36**
